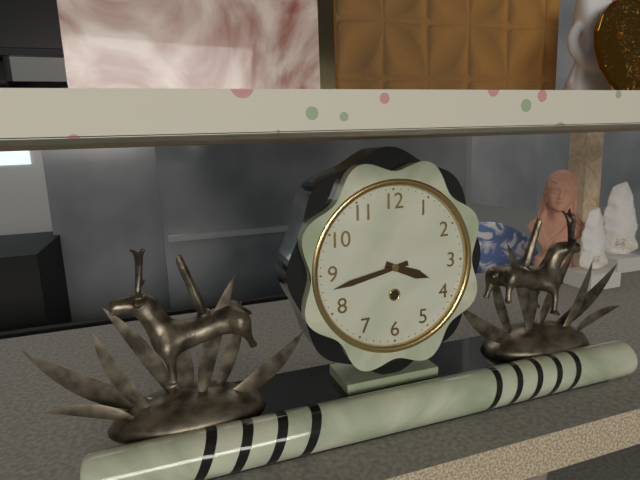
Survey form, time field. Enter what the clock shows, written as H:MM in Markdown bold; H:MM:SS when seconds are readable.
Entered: **3:43**
